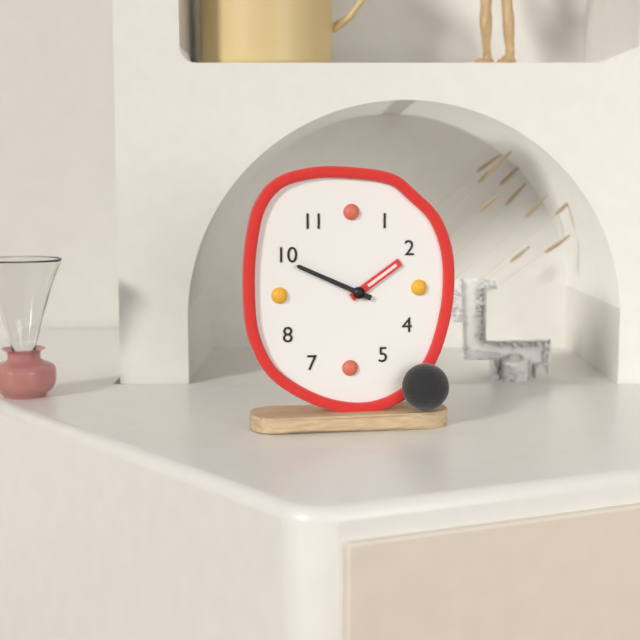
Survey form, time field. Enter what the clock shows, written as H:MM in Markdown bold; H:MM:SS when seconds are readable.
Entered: **1:49**
